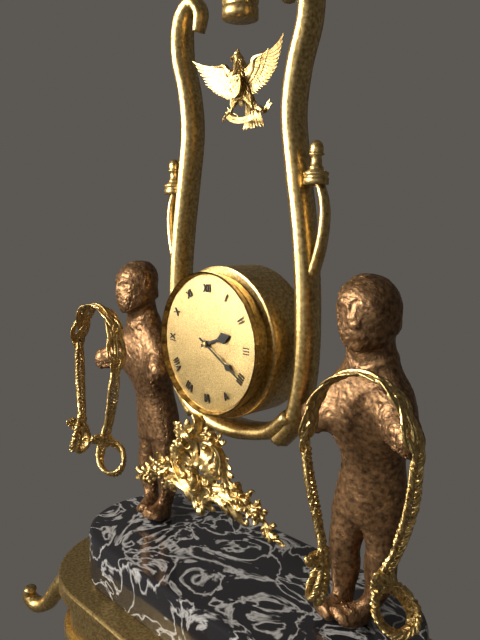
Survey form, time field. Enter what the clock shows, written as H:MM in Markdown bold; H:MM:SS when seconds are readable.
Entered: **2:20**
